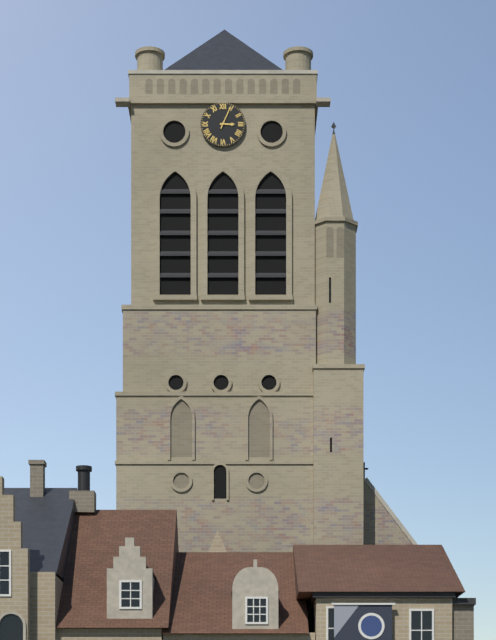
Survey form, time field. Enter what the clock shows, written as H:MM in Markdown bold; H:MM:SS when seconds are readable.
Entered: **3:04**
